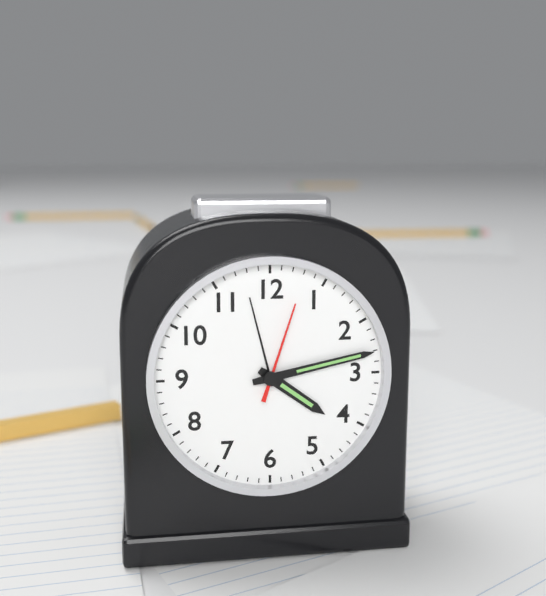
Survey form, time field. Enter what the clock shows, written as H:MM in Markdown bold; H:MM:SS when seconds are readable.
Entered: **4:13:03**
